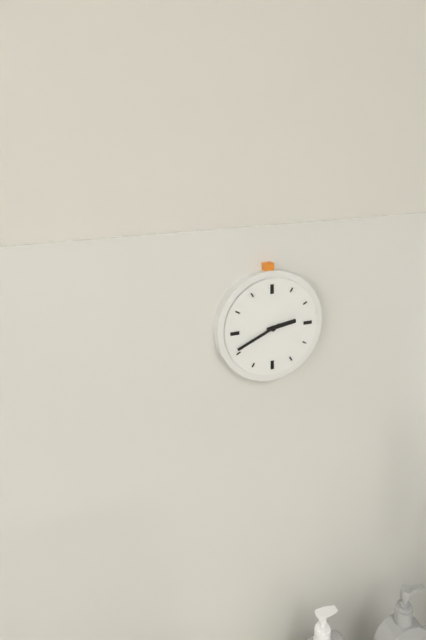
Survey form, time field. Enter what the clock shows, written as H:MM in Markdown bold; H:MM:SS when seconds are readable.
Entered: **2:41**
